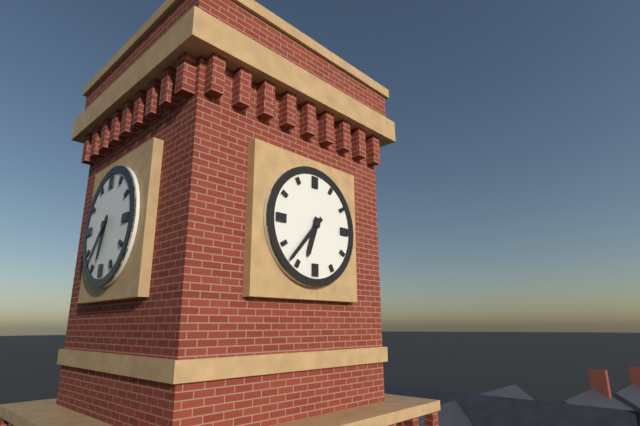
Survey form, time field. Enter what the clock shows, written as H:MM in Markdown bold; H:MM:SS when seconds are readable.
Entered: **6:37**
